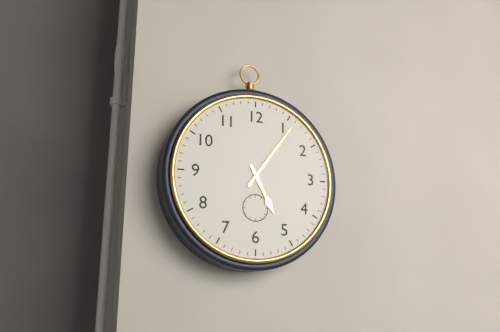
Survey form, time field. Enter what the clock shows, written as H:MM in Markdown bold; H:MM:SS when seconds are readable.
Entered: **5:06**
